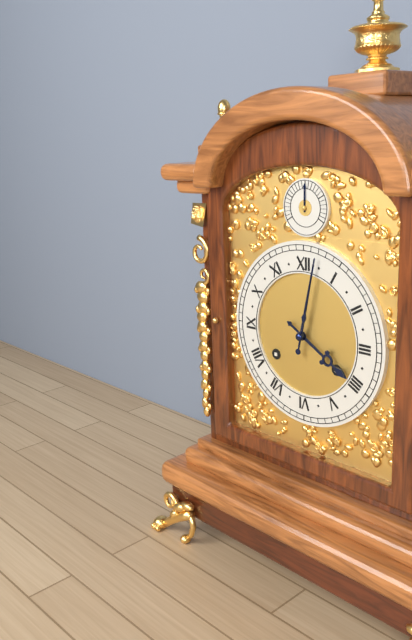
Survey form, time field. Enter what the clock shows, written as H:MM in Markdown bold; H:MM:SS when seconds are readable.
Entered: **4:02**
